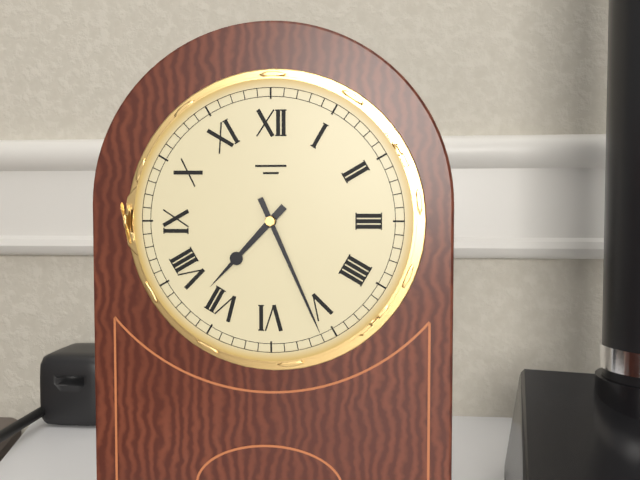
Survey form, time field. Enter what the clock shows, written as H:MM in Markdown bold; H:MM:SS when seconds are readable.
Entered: **7:26**
